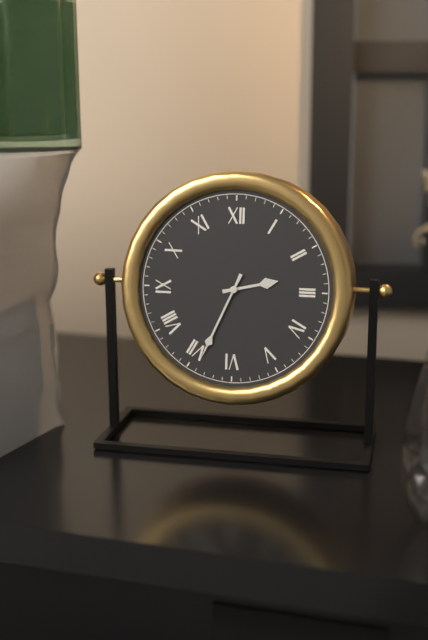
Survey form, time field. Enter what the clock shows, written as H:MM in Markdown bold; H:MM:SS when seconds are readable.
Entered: **2:34**
